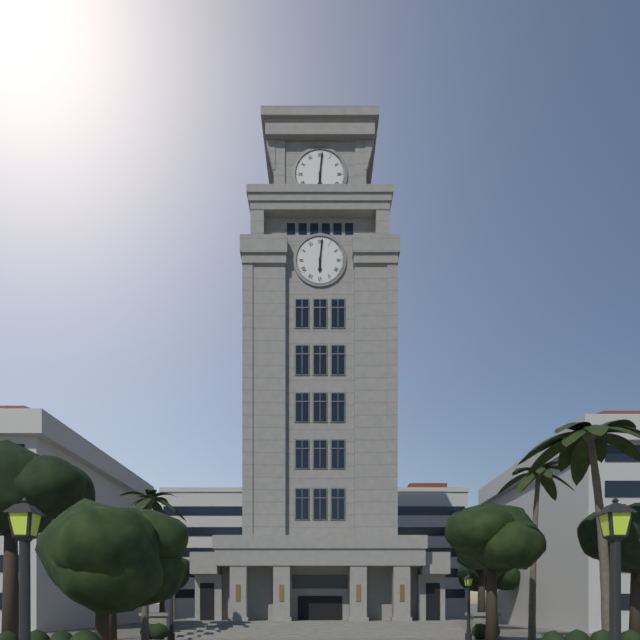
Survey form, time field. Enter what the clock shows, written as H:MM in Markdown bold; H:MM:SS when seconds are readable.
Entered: **6:01**
